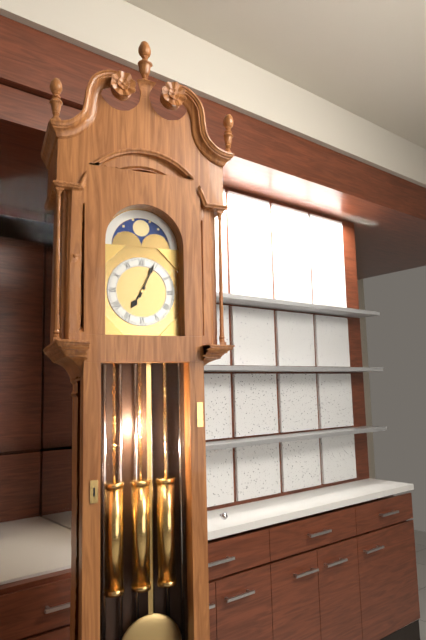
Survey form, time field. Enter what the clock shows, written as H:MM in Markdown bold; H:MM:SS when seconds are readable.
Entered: **7:04**
